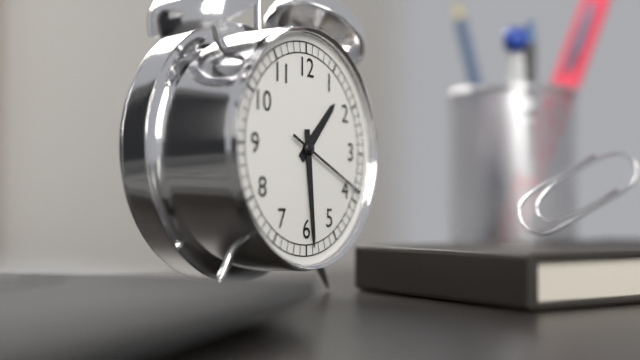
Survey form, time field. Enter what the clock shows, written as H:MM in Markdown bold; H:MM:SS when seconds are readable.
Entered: **1:29:19**
